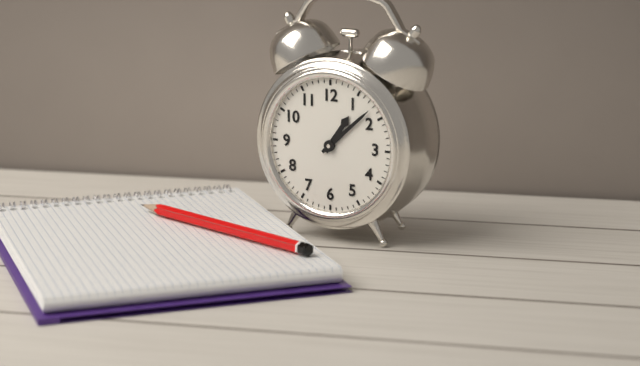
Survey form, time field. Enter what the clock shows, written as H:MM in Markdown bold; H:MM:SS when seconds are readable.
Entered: **1:08**
